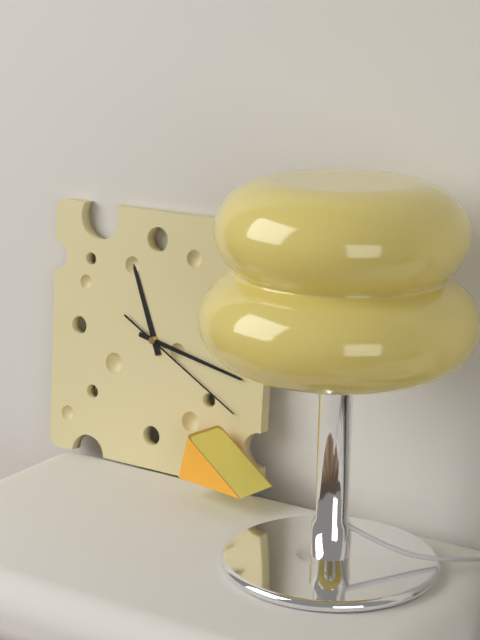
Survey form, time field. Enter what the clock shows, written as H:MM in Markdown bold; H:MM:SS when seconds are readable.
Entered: **11:17:20**
